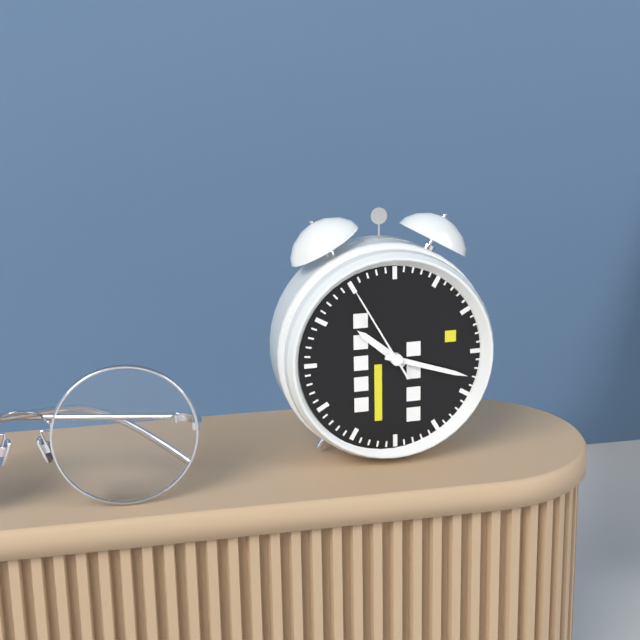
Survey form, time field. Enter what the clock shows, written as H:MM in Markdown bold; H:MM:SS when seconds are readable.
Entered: **10:18:55**
